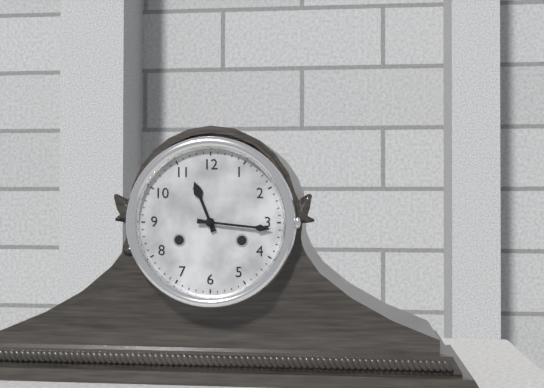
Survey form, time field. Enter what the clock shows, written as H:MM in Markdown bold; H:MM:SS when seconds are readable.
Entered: **11:16**
